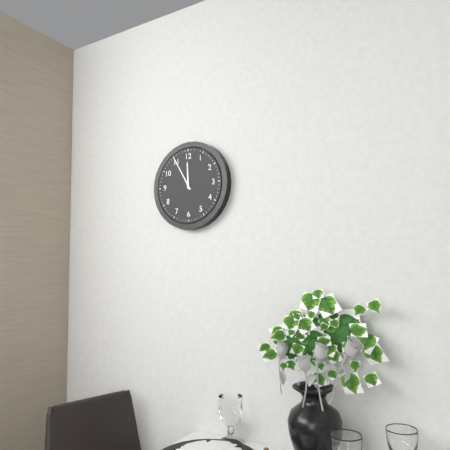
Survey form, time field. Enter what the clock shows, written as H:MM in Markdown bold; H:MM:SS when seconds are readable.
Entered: **11:55**
